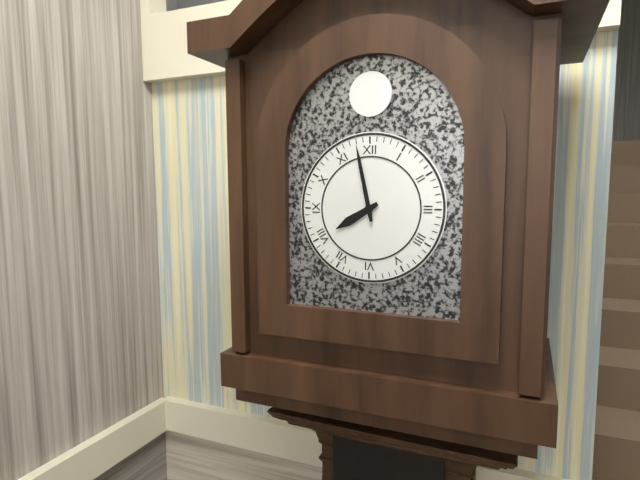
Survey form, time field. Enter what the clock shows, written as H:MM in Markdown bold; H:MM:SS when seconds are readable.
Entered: **7:58**
